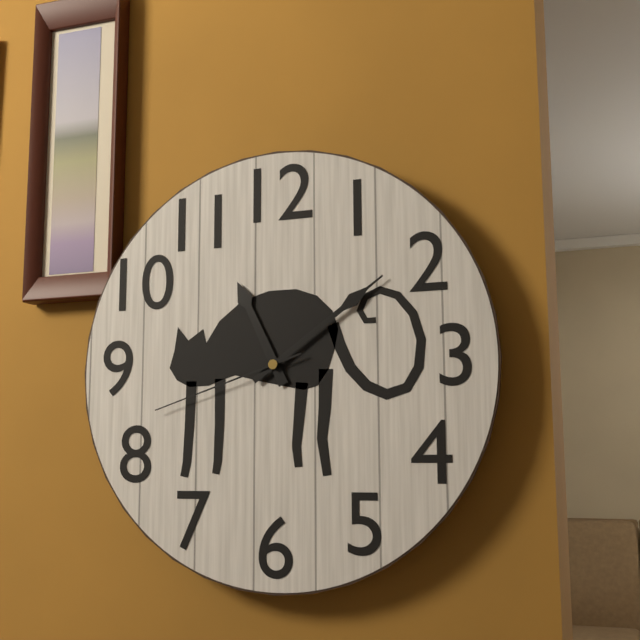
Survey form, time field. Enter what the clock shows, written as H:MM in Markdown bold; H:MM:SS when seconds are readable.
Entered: **11:09:42**
